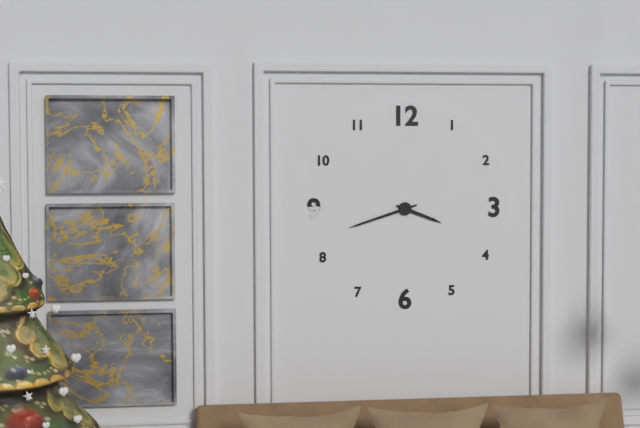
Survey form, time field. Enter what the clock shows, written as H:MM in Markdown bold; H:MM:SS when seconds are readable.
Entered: **3:42**
